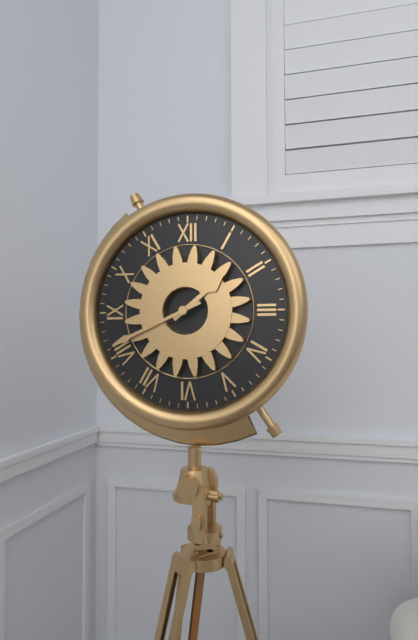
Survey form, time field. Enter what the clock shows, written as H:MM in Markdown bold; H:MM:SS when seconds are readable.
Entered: **1:41**
